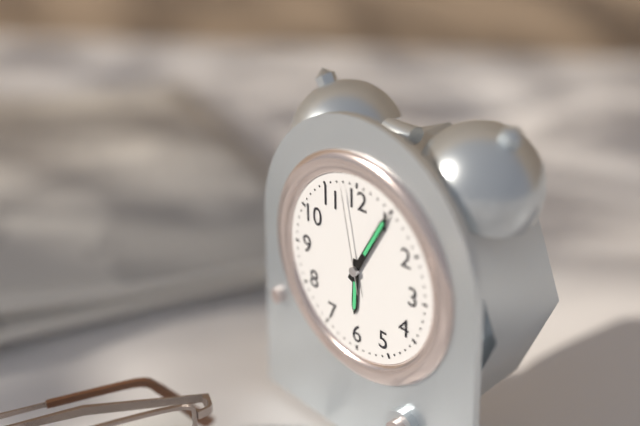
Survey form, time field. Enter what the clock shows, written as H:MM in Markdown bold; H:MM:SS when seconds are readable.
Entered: **6:05:58**
